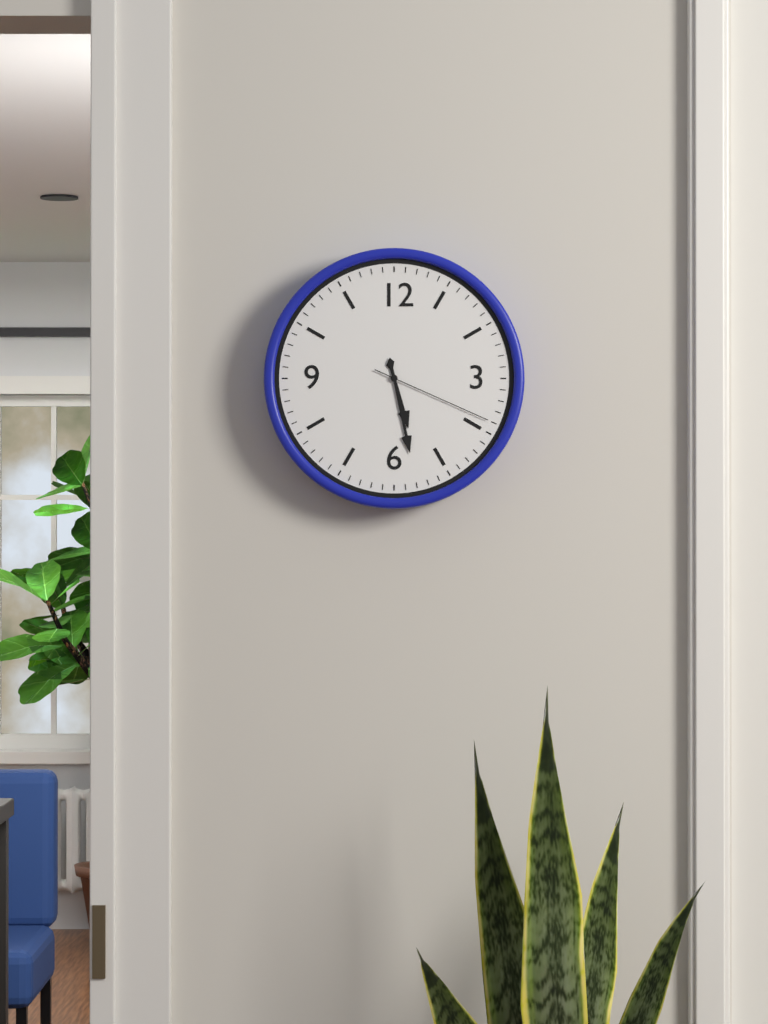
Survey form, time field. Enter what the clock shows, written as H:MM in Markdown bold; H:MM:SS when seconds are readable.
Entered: **5:28:19**
